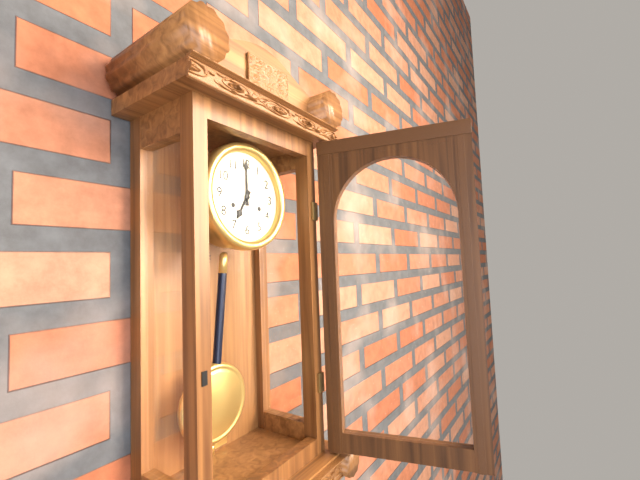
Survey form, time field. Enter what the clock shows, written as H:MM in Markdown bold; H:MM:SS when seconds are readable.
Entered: **7:00**
